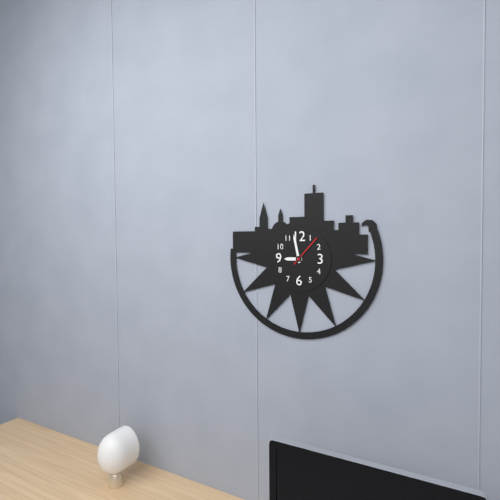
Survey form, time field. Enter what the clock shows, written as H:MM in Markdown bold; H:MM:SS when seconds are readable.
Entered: **8:58**
